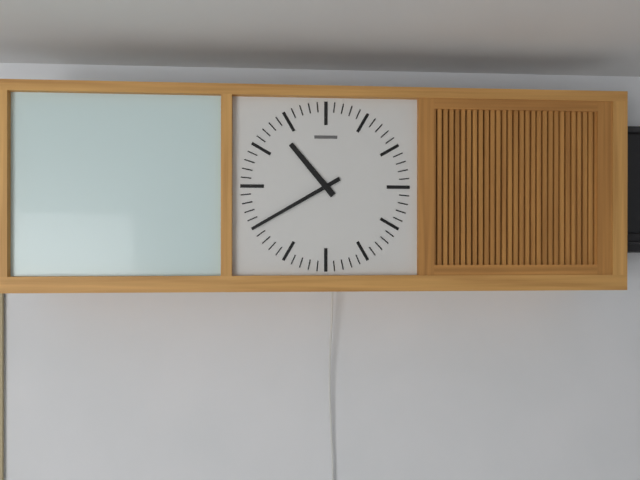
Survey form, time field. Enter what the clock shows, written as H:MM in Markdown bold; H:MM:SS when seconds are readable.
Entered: **10:40**
